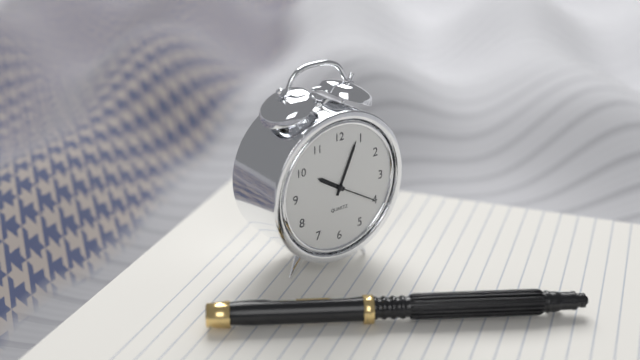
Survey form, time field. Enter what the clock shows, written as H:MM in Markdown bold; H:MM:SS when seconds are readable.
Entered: **10:04**
